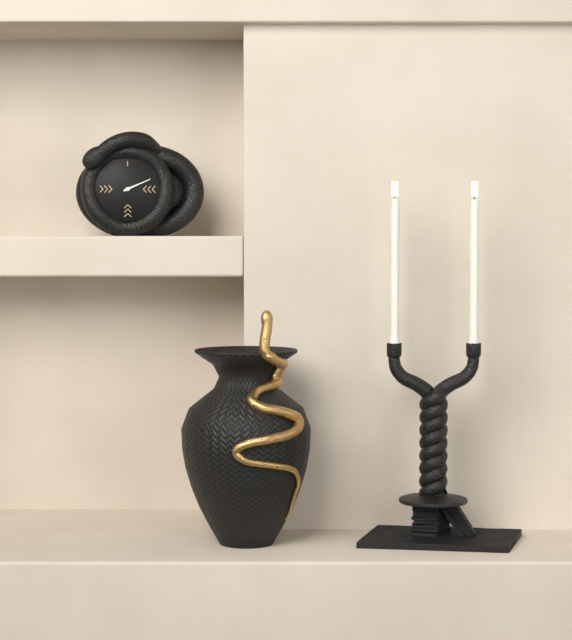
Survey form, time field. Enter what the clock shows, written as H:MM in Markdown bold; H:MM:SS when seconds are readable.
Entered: **2:11**
